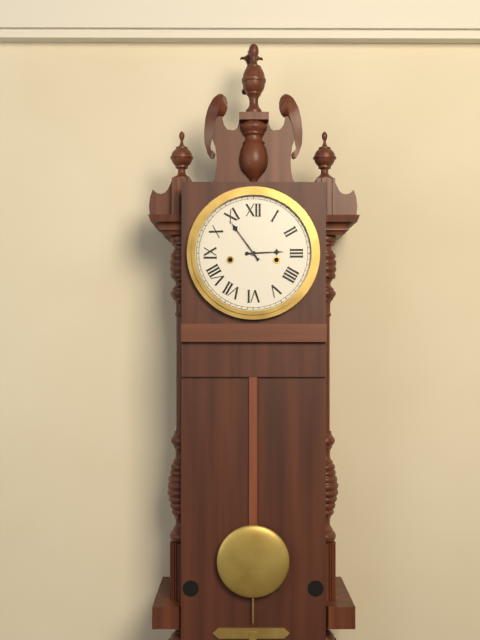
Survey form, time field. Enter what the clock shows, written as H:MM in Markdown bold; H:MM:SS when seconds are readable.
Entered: **2:54**
